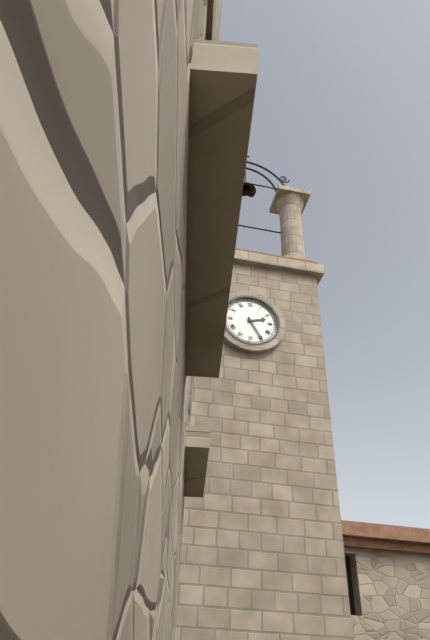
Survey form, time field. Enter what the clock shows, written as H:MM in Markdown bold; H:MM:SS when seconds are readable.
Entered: **2:25**
